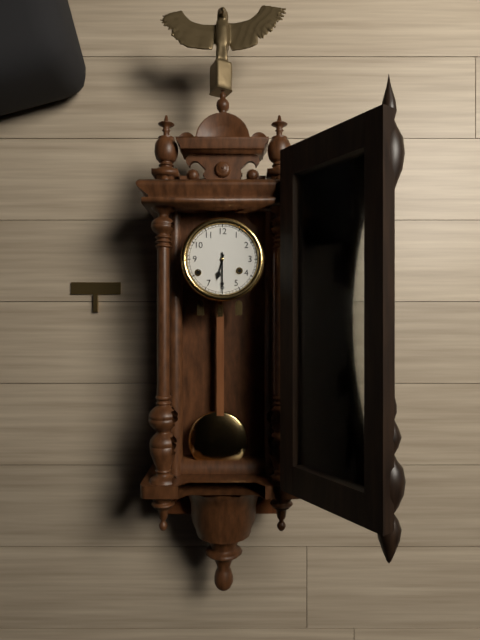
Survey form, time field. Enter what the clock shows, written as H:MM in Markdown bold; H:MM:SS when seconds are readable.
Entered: **6:30**
